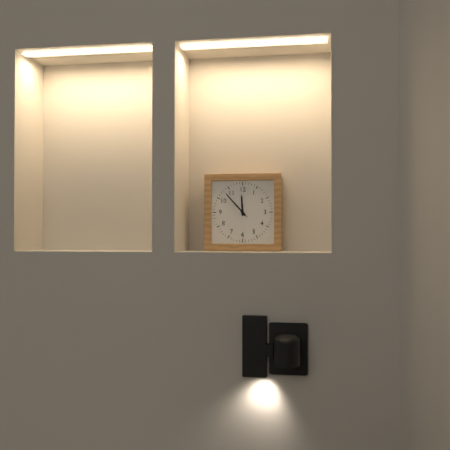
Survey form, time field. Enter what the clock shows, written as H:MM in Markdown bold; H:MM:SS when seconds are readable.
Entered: **11:53**
